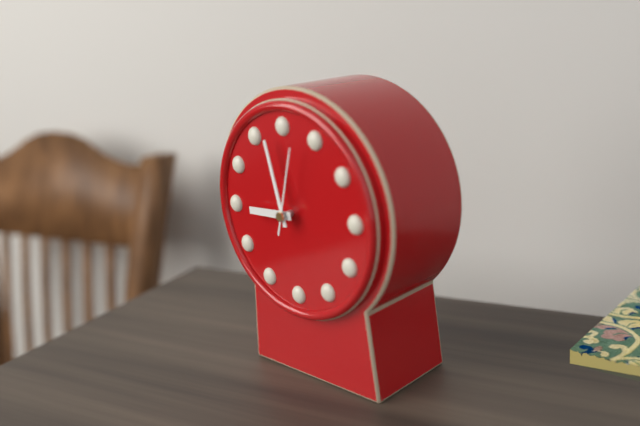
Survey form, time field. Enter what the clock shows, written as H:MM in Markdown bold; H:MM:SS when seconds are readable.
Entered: **8:58:03**
